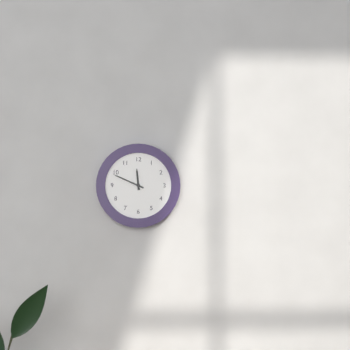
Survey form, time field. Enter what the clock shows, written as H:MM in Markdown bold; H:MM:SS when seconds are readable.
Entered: **11:49**
